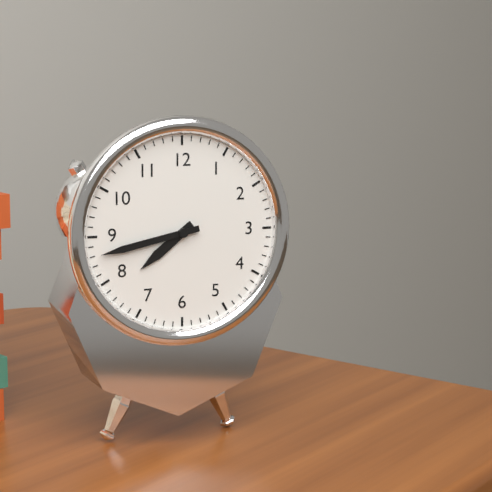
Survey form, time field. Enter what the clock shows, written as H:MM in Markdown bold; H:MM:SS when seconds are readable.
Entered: **7:43**
